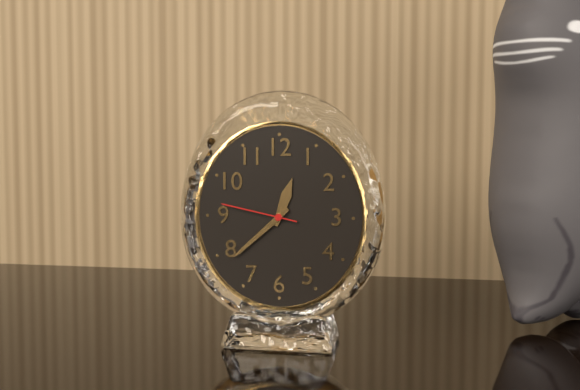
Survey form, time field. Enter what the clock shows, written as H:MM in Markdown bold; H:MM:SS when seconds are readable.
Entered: **12:38:47**
